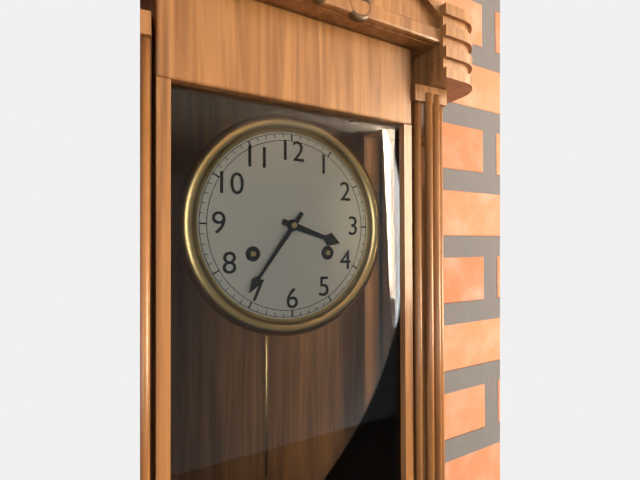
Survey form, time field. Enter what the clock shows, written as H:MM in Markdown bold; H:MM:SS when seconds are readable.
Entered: **3:36**
